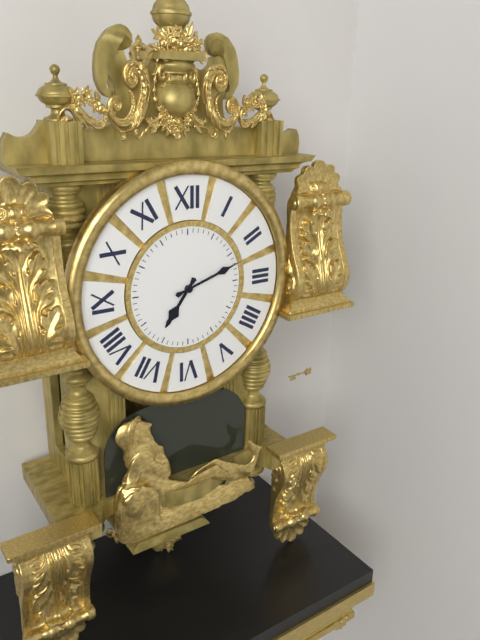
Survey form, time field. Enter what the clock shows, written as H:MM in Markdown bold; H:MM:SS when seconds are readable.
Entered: **7:12**
